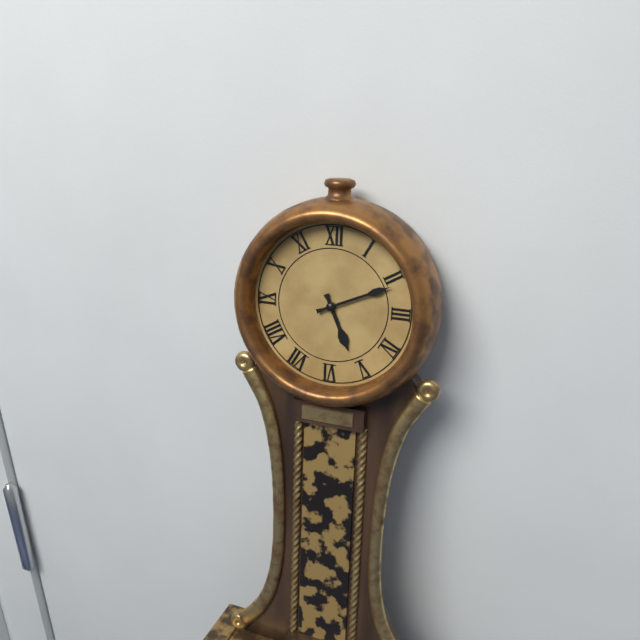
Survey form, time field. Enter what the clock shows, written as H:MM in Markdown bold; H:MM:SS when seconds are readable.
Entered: **5:11**
